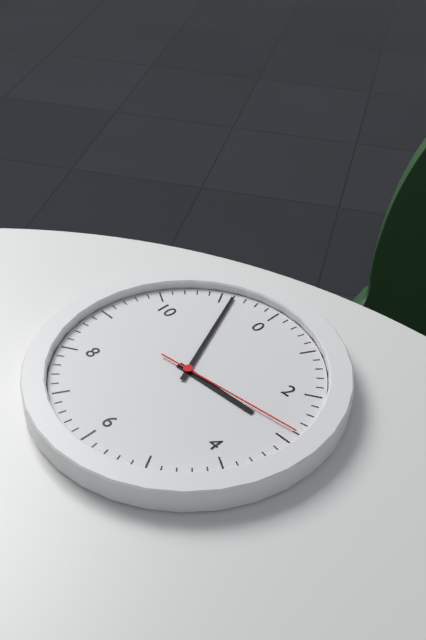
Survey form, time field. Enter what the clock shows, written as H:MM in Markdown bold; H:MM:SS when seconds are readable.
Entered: **2:56:14**
